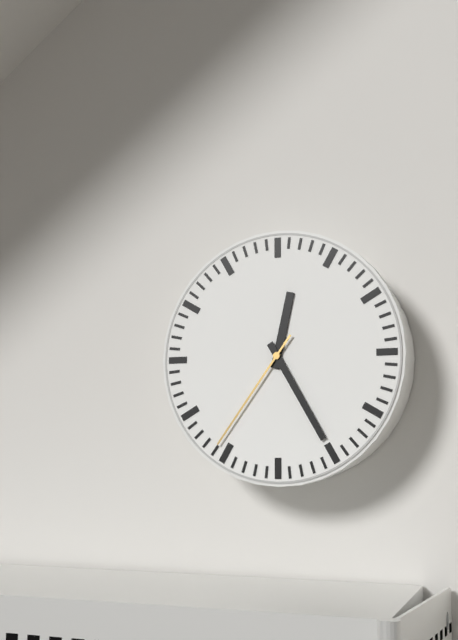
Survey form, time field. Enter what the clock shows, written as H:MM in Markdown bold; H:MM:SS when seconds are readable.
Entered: **12:25:36**
